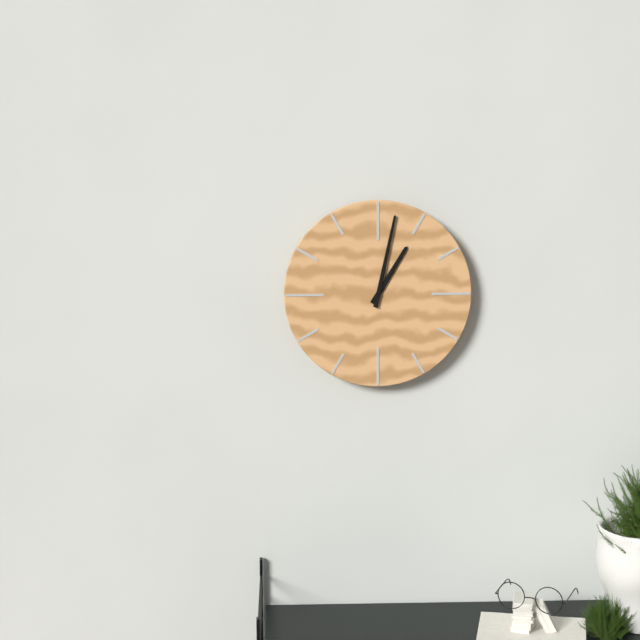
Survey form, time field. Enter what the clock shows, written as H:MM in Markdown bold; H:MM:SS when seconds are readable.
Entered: **1:02**
